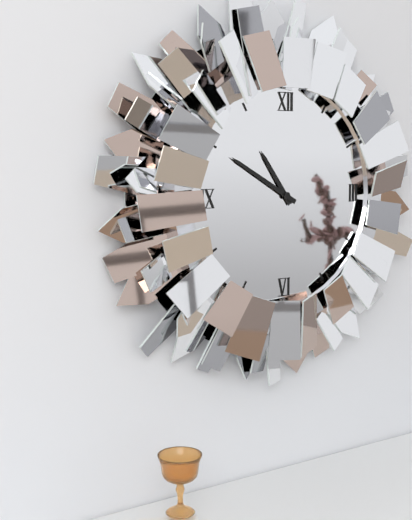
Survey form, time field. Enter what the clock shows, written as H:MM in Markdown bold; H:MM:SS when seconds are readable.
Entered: **10:50**
